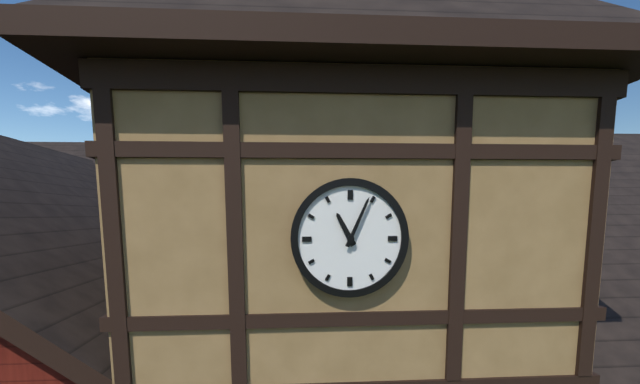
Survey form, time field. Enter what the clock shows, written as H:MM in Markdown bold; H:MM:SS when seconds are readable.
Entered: **11:04**
